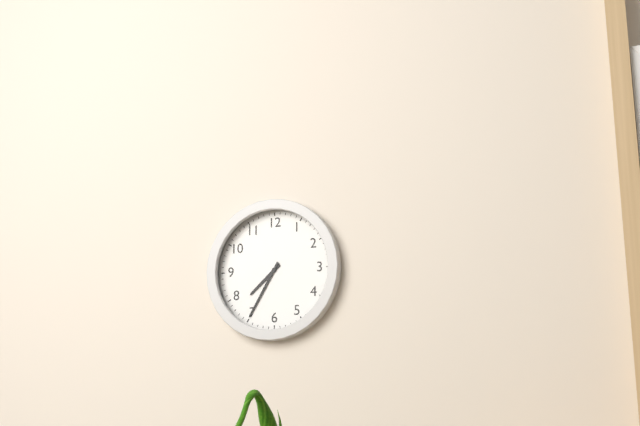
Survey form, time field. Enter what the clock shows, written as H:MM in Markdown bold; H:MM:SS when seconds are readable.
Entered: **7:35**
